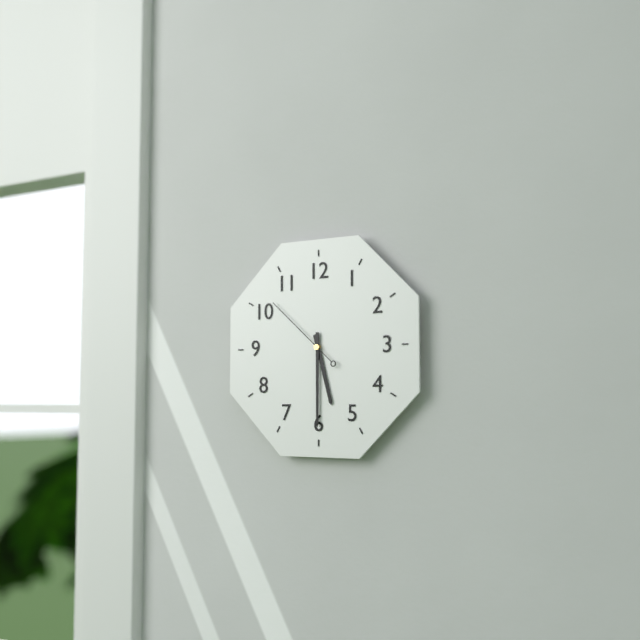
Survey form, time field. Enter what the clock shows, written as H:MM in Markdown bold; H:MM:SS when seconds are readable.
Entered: **5:30:52**
